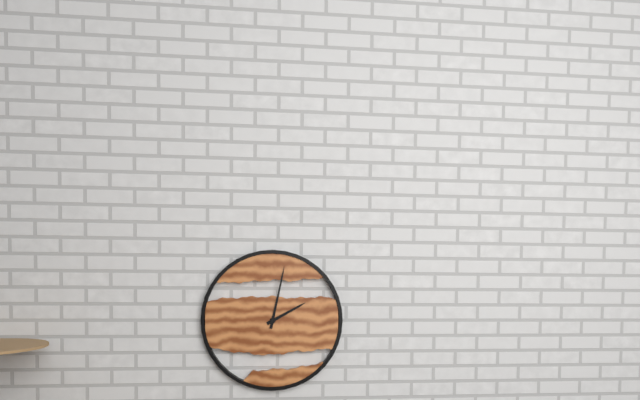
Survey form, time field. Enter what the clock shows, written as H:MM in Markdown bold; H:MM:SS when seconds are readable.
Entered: **2:02**
